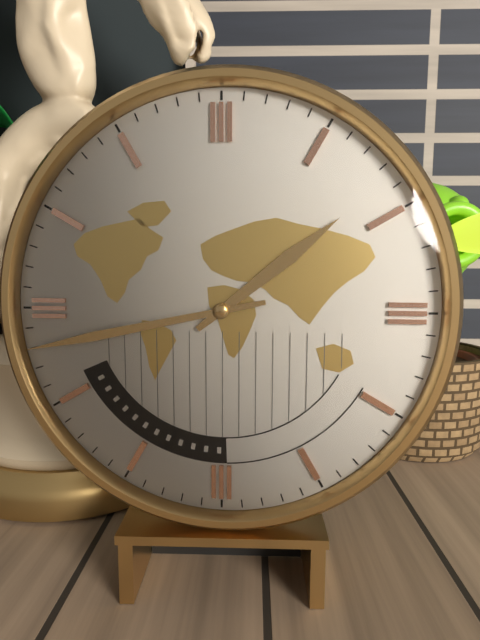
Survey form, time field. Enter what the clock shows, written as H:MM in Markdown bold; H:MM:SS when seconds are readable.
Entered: **1:43**
